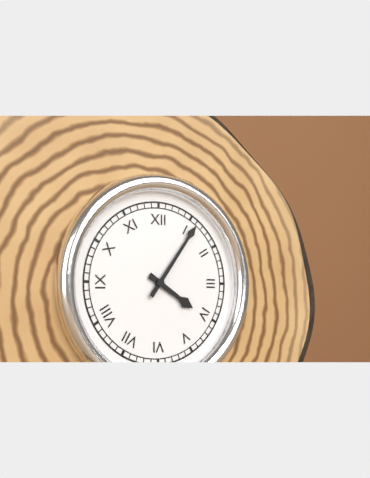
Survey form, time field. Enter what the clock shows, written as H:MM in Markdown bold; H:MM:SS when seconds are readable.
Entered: **4:06**
